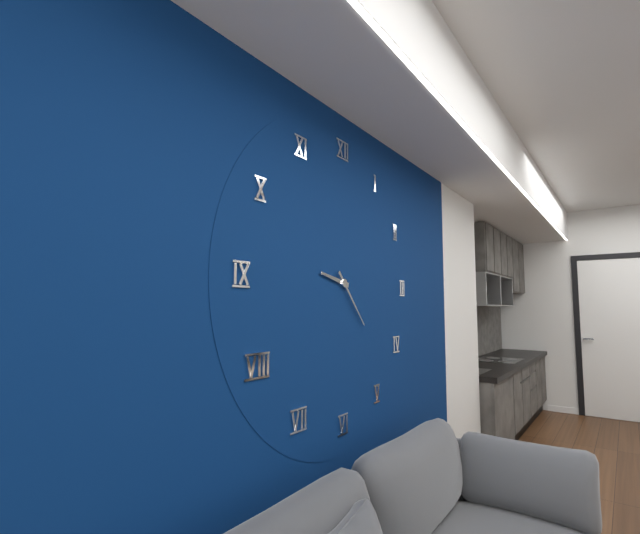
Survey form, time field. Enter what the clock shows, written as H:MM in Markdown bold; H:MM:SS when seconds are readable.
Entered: **9:23**
